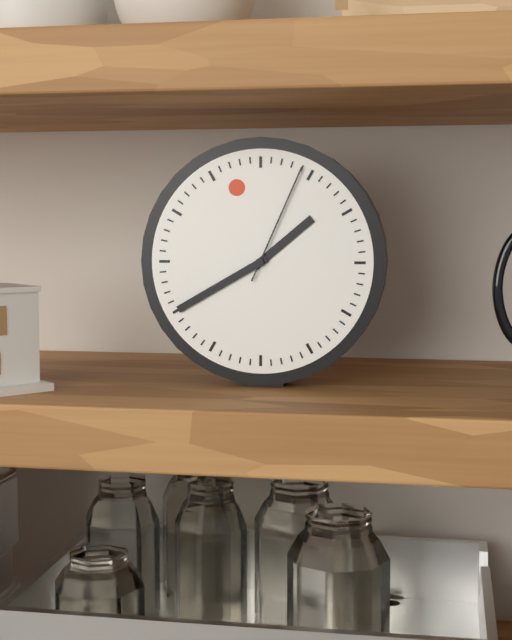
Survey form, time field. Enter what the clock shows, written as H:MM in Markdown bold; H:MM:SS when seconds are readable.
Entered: **1:40:04**
